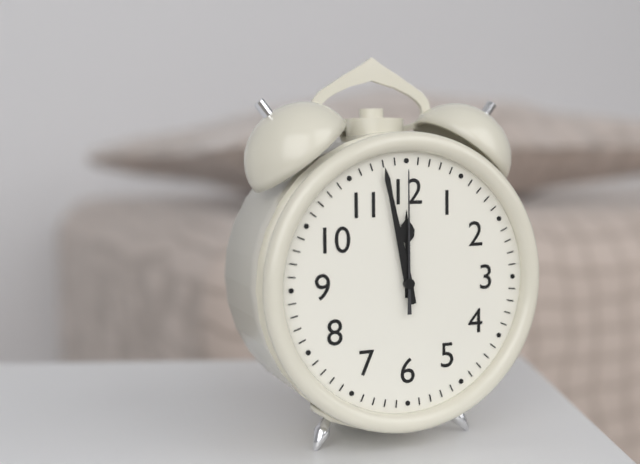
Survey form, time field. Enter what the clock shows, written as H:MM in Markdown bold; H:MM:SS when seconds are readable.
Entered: **11:58:00**
